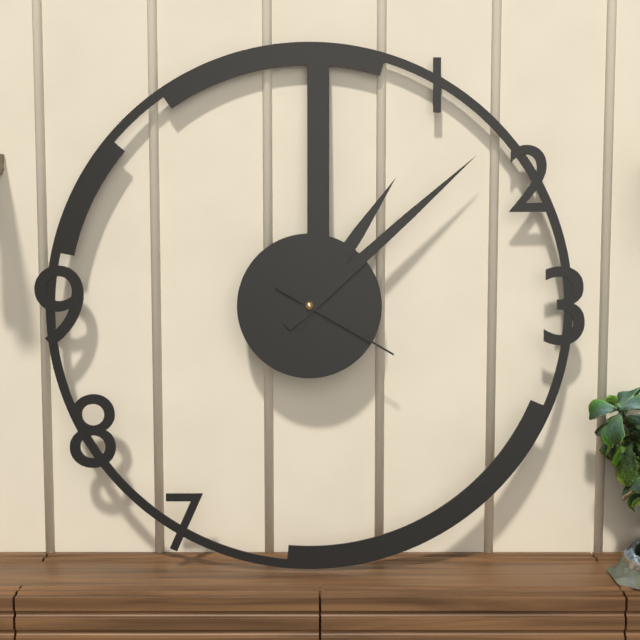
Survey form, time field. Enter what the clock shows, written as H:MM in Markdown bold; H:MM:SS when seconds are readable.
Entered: **1:08:20**
